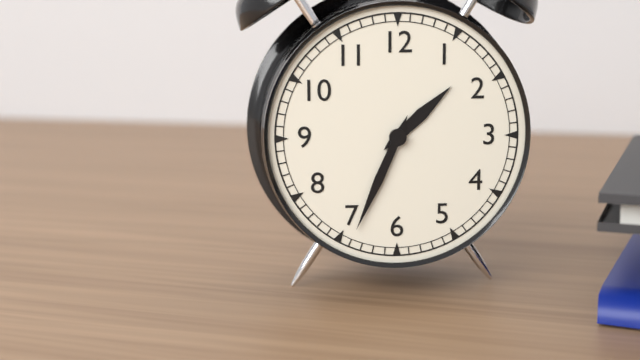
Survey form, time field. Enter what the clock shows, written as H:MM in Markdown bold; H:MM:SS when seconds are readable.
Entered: **1:34**
